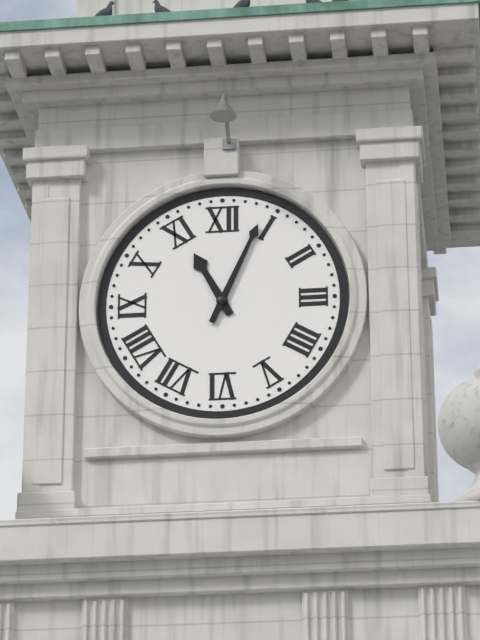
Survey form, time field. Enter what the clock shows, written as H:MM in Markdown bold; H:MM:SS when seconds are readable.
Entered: **11:04**
